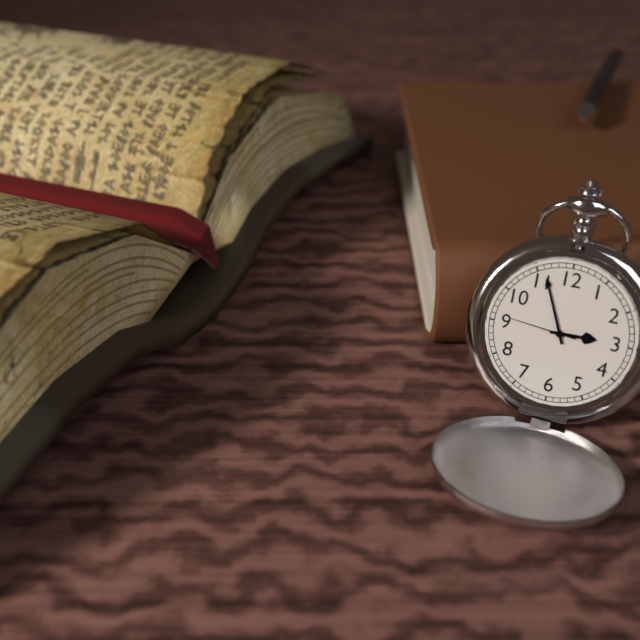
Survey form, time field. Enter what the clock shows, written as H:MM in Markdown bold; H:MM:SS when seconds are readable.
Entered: **2:56:46**
